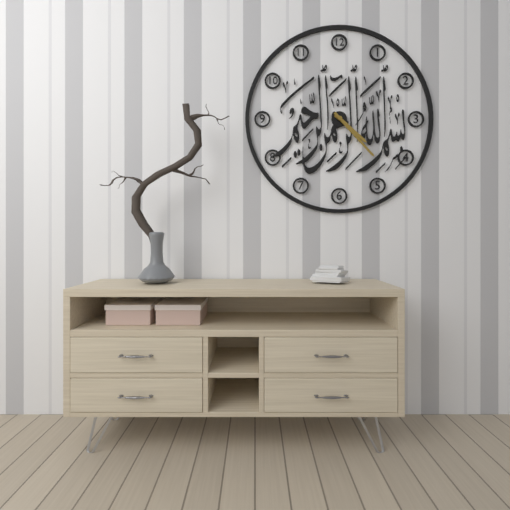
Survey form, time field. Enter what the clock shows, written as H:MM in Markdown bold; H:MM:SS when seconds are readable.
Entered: **4:23**
